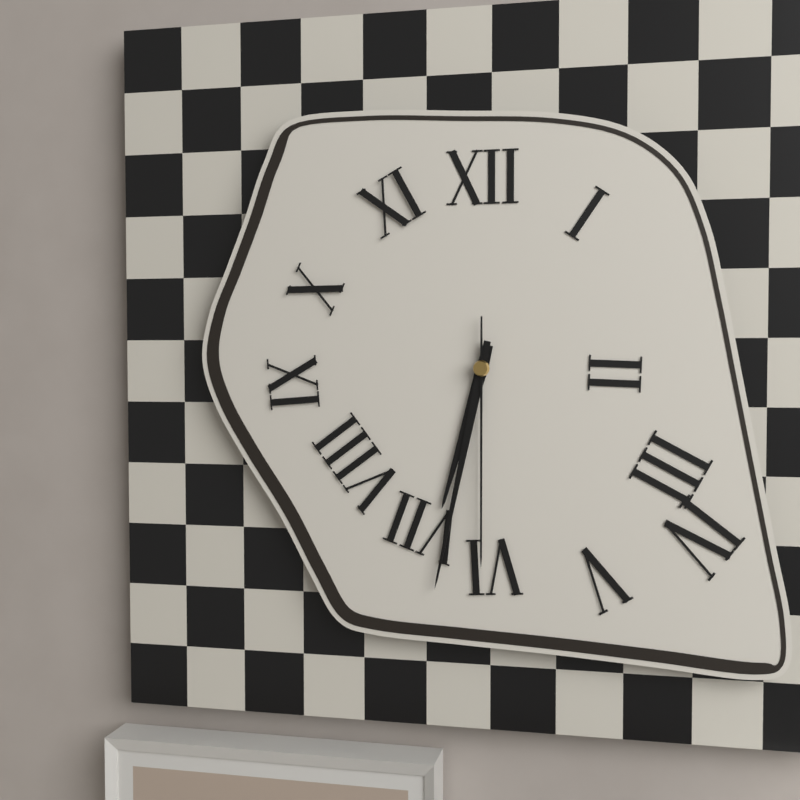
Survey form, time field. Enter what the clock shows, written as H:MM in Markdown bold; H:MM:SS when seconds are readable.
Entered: **6:32:30**
